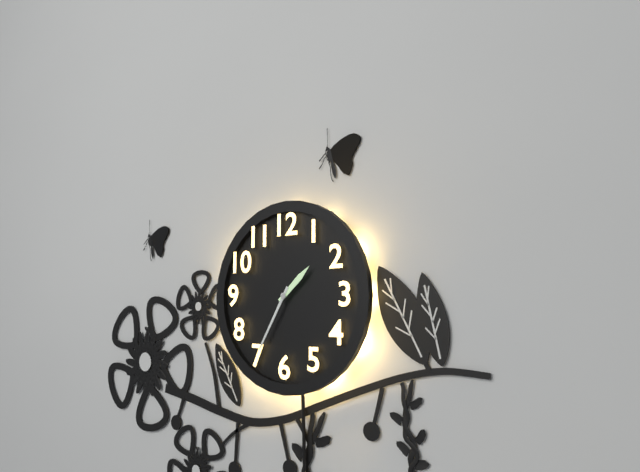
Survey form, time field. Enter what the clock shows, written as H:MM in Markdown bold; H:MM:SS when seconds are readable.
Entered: **1:35**
